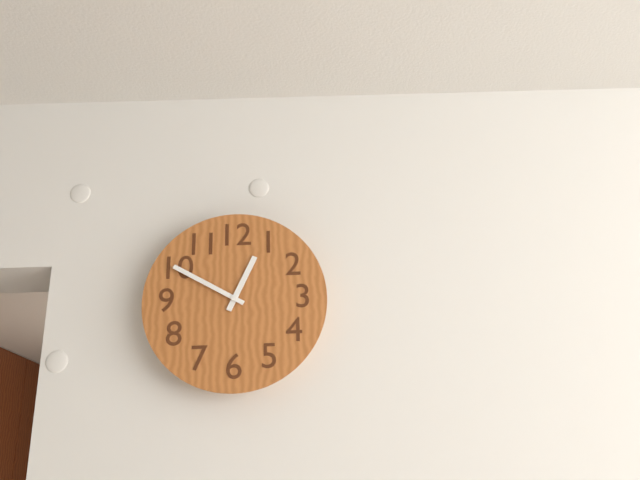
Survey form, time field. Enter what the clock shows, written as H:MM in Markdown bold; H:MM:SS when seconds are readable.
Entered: **12:50**
